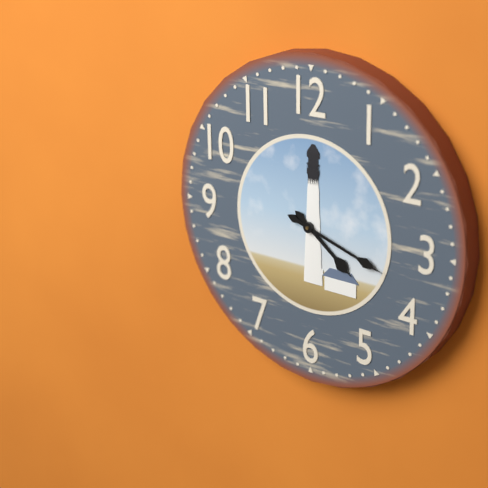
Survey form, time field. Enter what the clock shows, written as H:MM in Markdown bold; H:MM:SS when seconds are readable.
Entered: **4:18**
